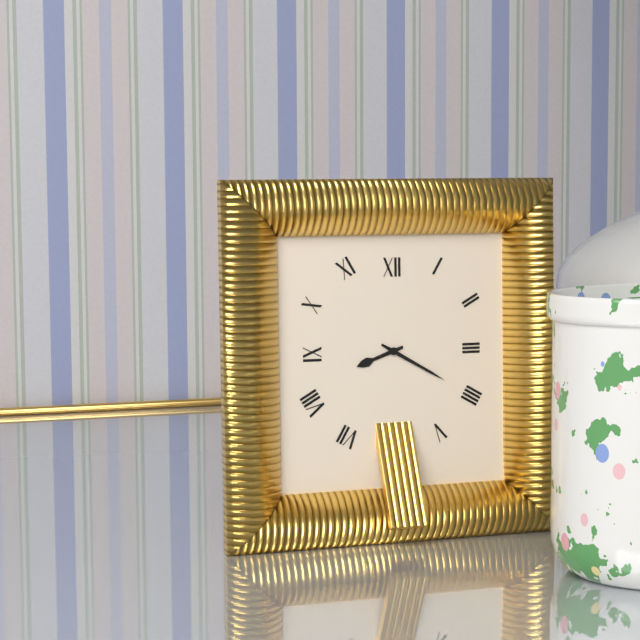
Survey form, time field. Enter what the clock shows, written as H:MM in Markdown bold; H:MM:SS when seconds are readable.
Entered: **8:20**
